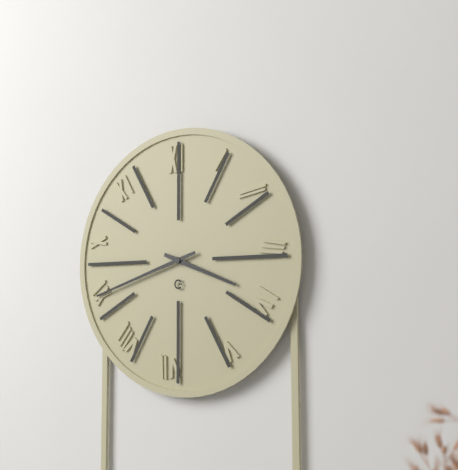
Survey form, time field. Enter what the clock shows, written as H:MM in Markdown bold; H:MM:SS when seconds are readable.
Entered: **3:42**
